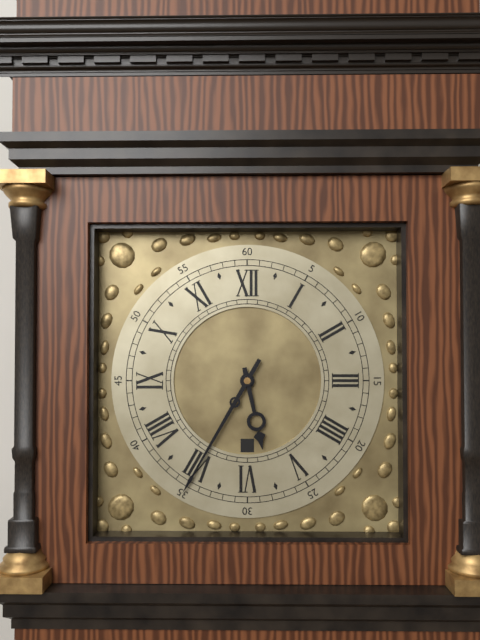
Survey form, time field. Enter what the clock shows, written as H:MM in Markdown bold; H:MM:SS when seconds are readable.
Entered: **5:35**
